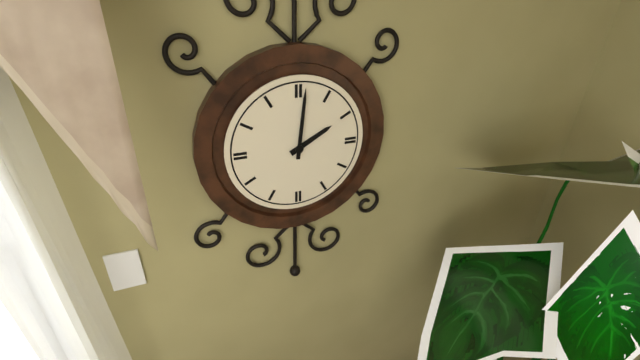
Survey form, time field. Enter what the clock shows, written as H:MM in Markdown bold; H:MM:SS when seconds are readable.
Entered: **2:01**
